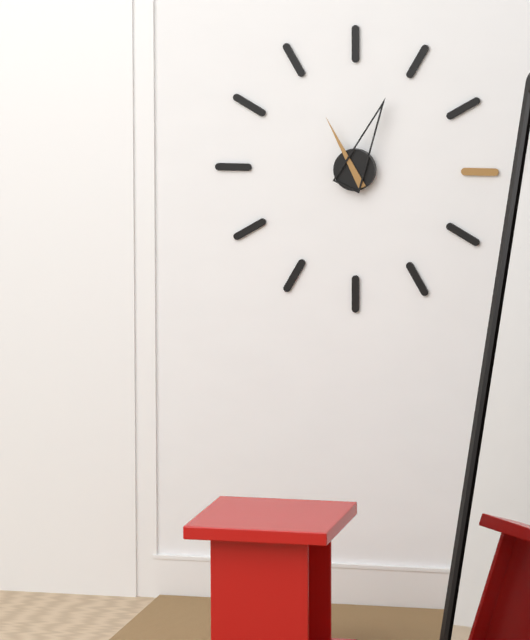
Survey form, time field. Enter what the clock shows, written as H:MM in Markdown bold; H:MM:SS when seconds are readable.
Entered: **11:04**
